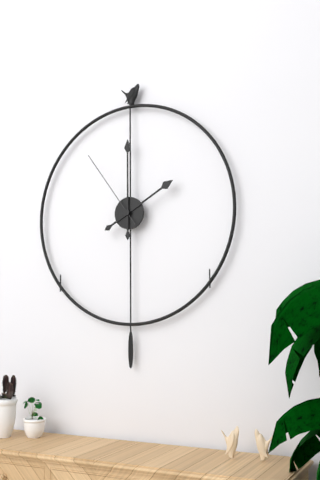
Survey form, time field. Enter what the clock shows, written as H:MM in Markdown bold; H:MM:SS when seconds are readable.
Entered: **2:00:54**
